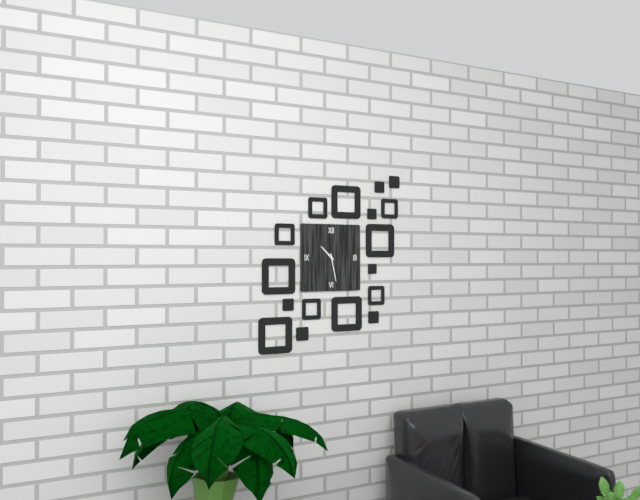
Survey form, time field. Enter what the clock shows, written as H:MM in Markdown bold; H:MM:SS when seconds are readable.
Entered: **10:28**
